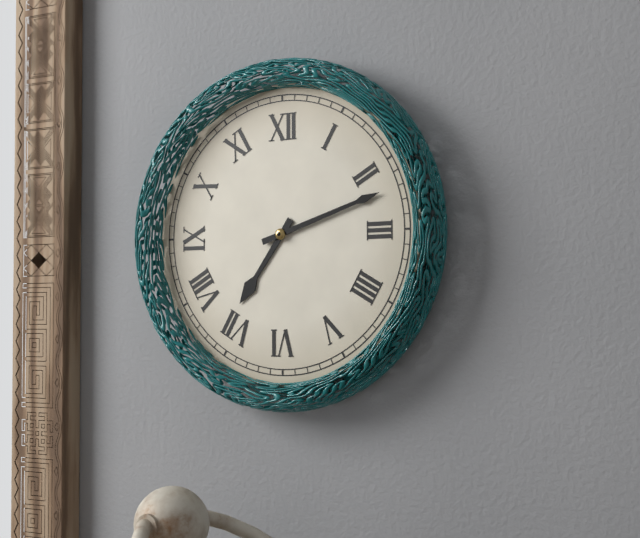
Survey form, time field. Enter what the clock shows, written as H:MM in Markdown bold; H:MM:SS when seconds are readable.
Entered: **7:12**
